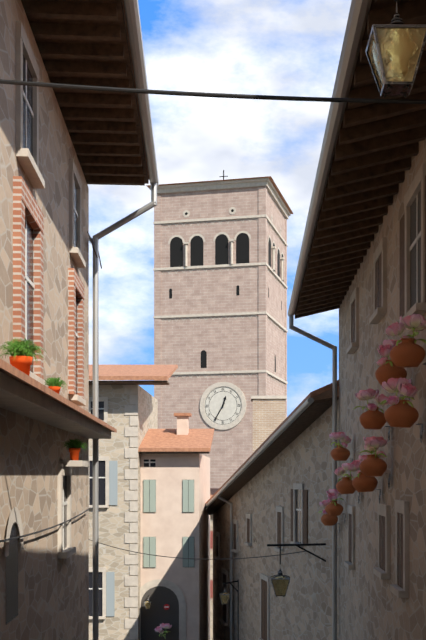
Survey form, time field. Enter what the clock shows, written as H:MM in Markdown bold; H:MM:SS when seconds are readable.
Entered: **12:35**
